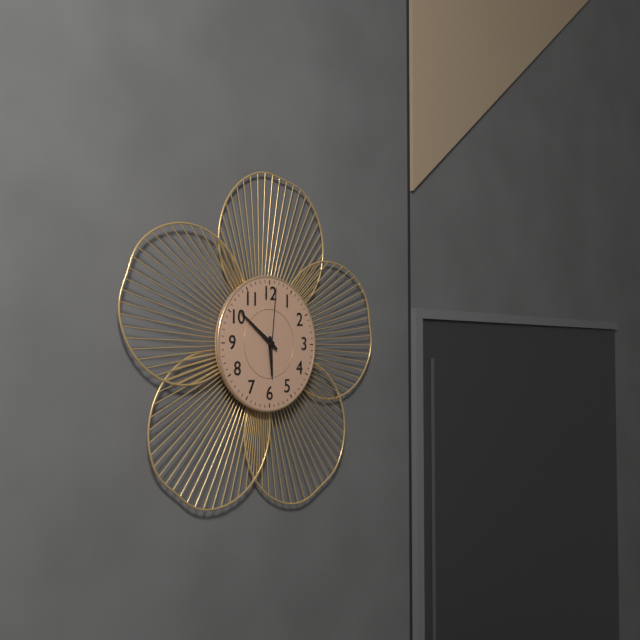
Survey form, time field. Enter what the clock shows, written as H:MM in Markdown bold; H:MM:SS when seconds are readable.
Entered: **5:51:01**
